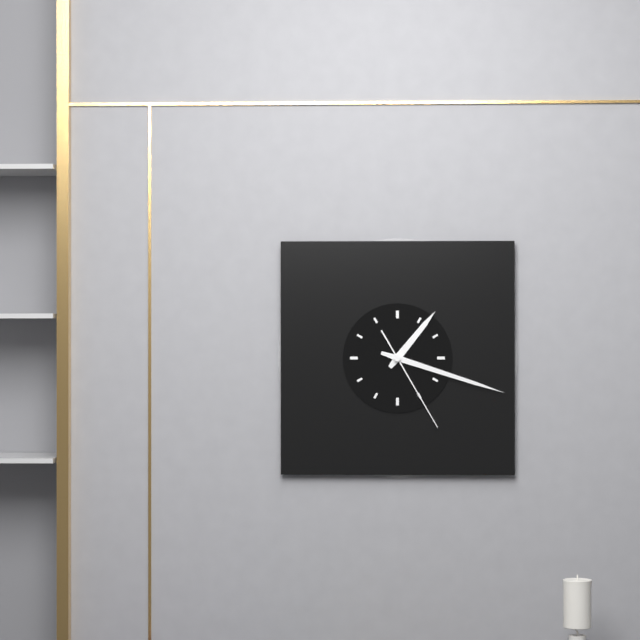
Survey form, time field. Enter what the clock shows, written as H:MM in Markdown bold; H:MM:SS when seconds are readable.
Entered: **1:18:25**
